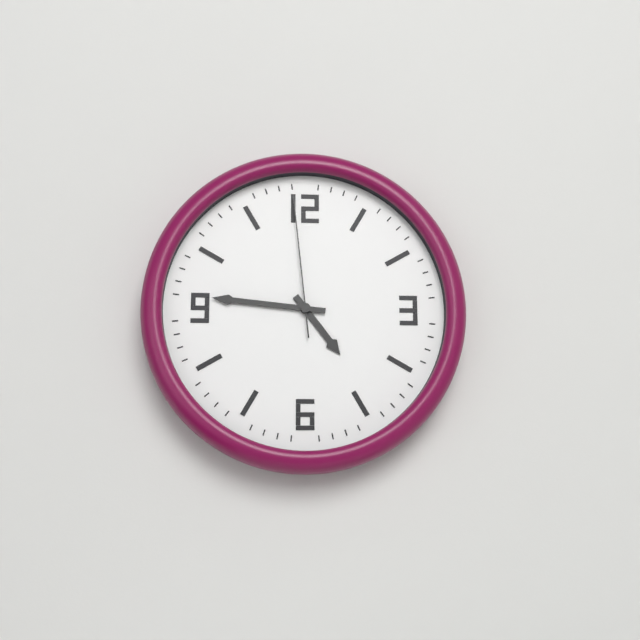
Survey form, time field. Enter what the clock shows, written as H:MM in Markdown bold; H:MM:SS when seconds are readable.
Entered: **4:46:59**
